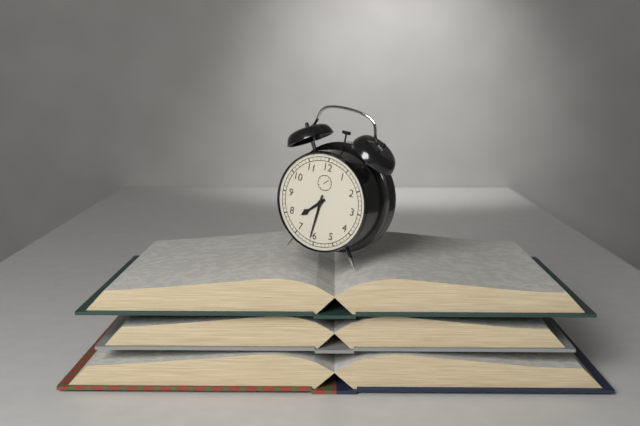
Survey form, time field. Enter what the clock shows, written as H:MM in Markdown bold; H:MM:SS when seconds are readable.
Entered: **7:31**
